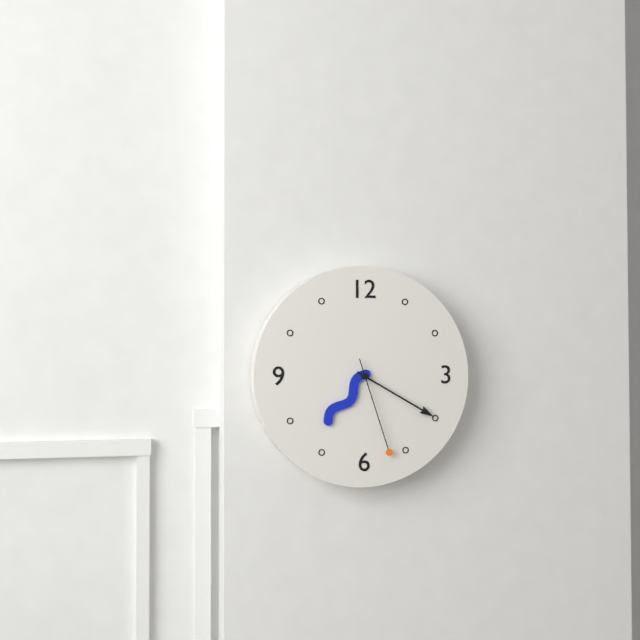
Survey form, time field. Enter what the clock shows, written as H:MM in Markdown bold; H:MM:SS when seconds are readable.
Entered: **7:20:27**
